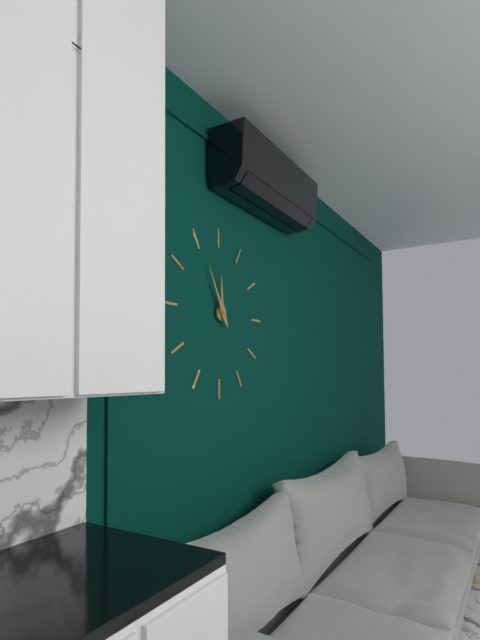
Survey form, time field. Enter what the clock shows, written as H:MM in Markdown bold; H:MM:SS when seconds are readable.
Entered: **11:55**
